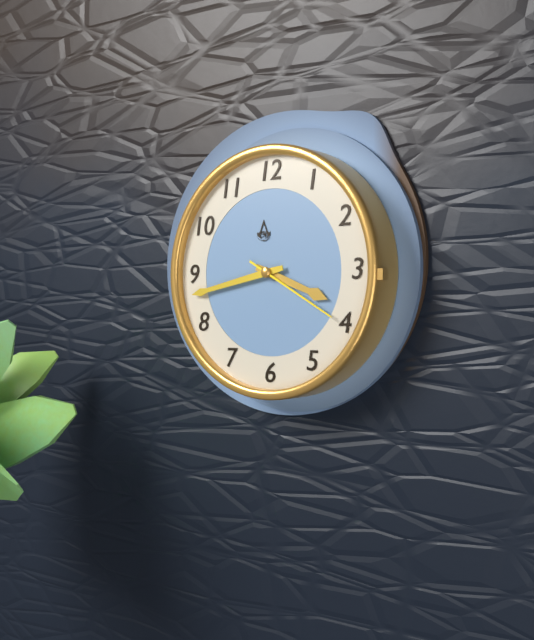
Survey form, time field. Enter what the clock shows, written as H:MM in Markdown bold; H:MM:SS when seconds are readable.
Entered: **3:43:20**
